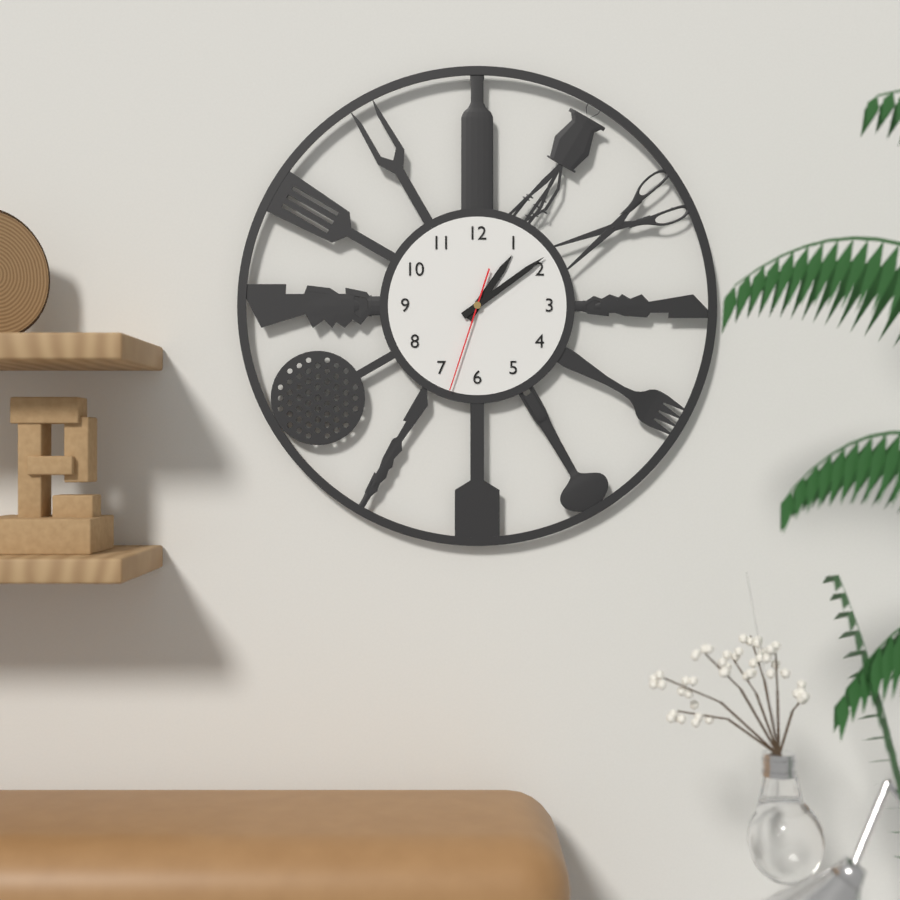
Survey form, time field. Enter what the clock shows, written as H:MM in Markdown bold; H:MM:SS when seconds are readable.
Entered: **1:09:33**
